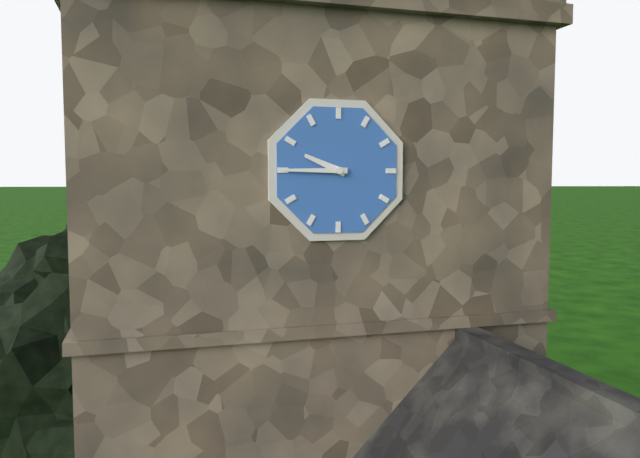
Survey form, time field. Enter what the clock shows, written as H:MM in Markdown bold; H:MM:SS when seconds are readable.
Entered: **9:45**
